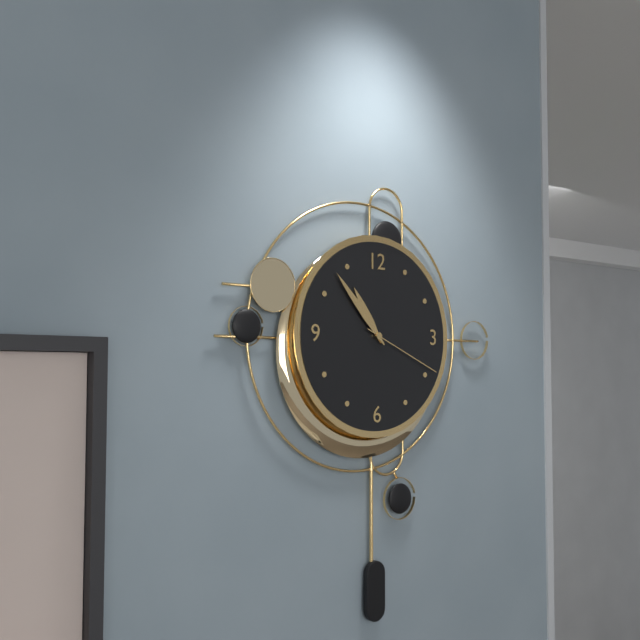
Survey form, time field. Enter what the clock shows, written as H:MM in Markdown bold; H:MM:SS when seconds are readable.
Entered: **10:53:19**
